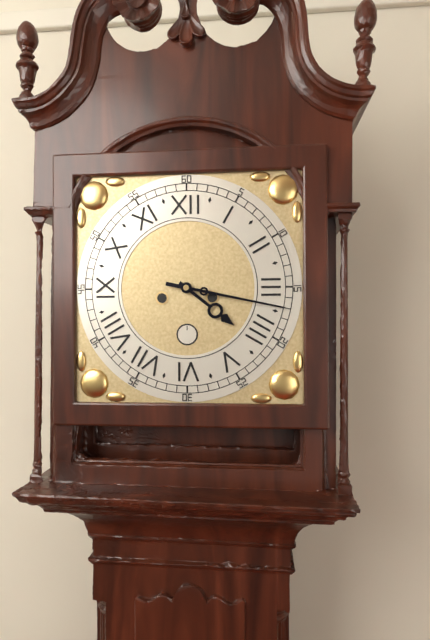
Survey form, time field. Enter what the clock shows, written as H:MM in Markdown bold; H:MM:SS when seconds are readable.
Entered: **4:17**
